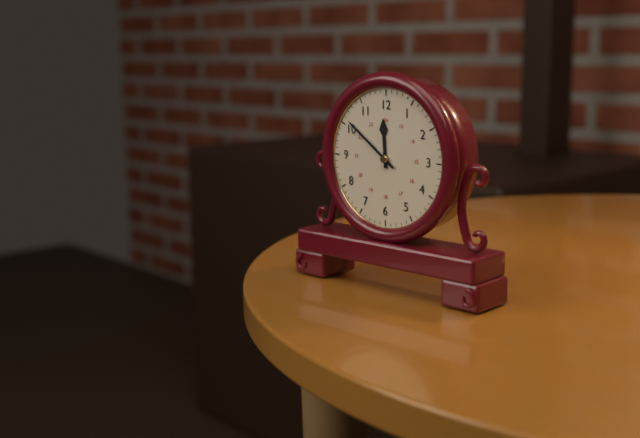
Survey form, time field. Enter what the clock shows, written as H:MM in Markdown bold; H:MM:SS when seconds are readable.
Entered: **11:51**
